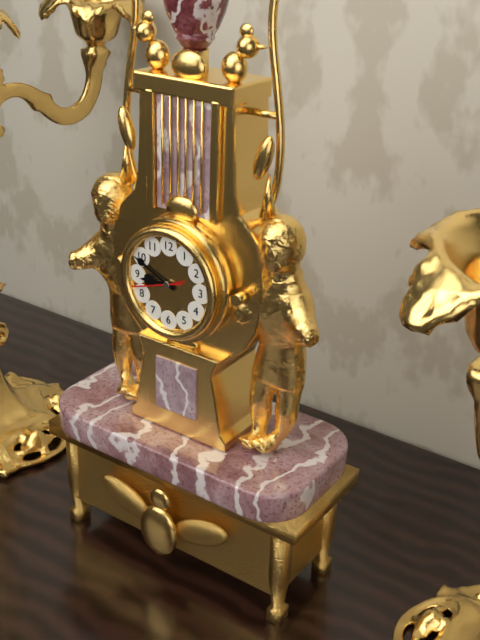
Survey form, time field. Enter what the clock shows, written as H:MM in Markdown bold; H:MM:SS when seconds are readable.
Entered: **8:49**
